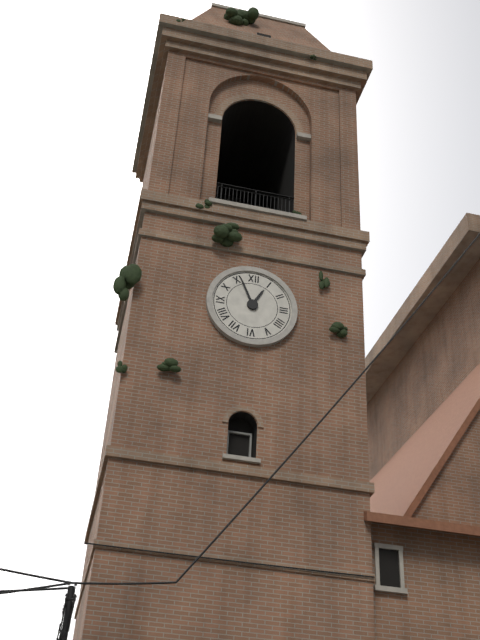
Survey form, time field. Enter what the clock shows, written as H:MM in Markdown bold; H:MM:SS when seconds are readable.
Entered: **12:56**
